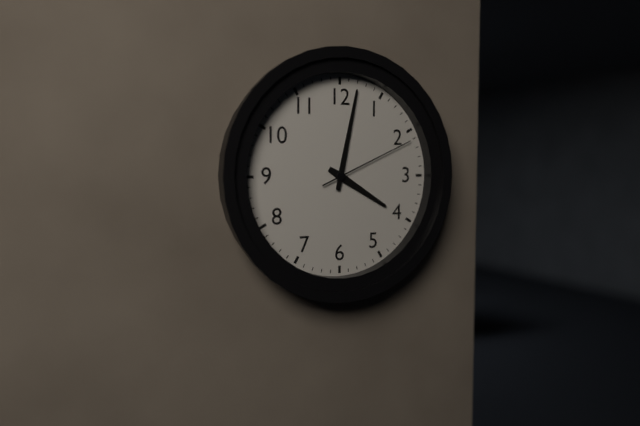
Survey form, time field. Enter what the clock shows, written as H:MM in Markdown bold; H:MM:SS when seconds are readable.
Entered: **4:02:11**
